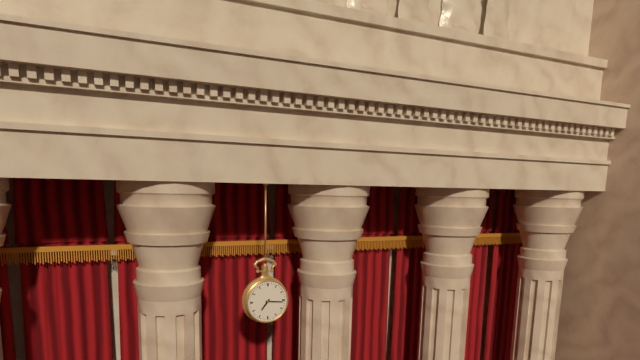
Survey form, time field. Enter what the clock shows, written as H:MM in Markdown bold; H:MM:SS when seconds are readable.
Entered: **7:16**
